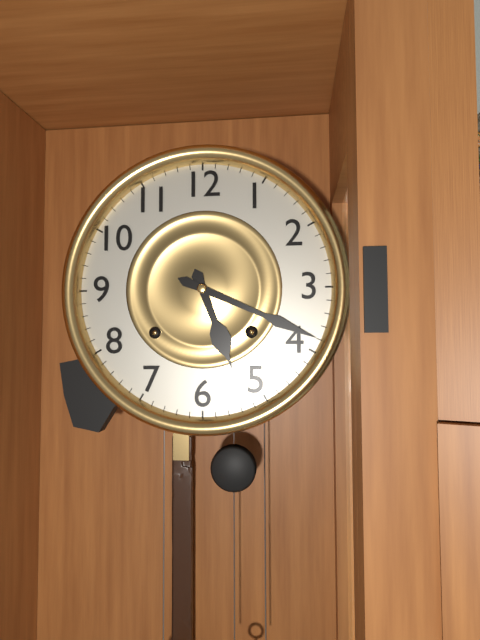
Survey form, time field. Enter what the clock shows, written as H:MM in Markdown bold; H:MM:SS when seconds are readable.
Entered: **5:19**
